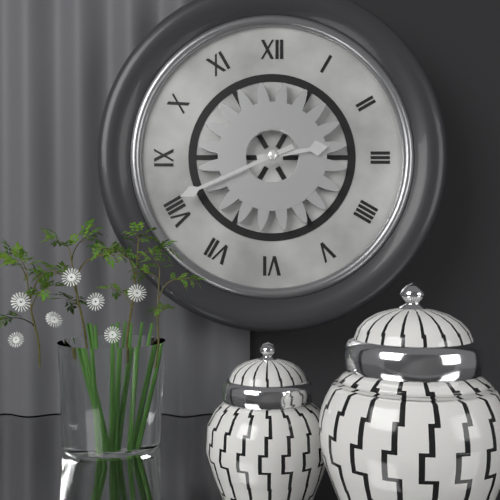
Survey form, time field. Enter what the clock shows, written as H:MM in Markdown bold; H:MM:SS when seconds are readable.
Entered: **2:41**
